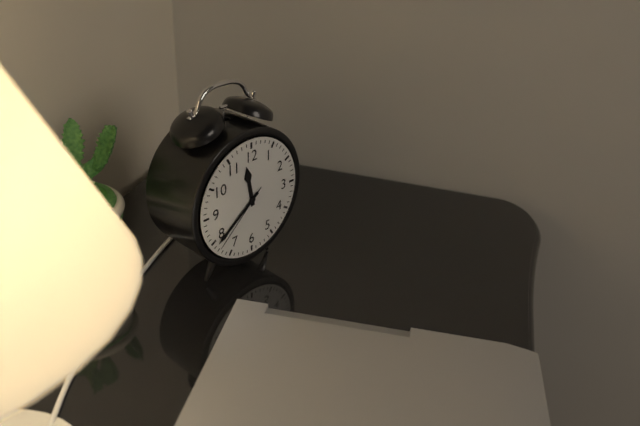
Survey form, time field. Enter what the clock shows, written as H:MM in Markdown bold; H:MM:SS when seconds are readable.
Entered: **11:39:38**
